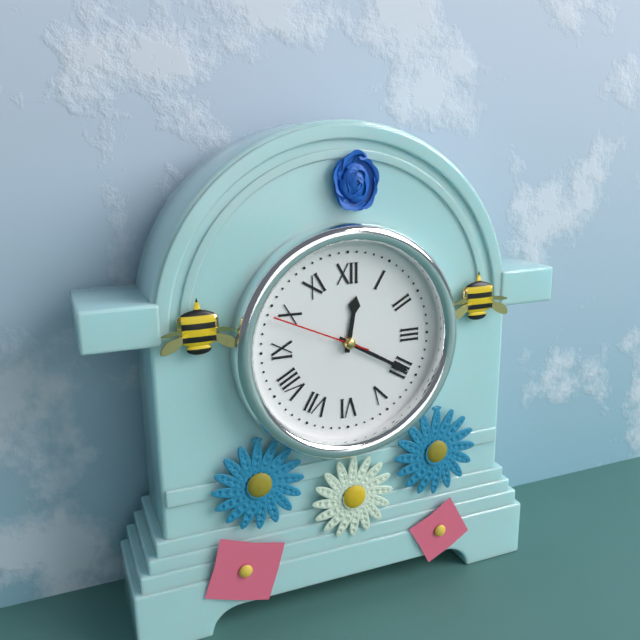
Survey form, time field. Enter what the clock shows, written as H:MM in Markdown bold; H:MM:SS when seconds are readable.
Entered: **12:20:49**
